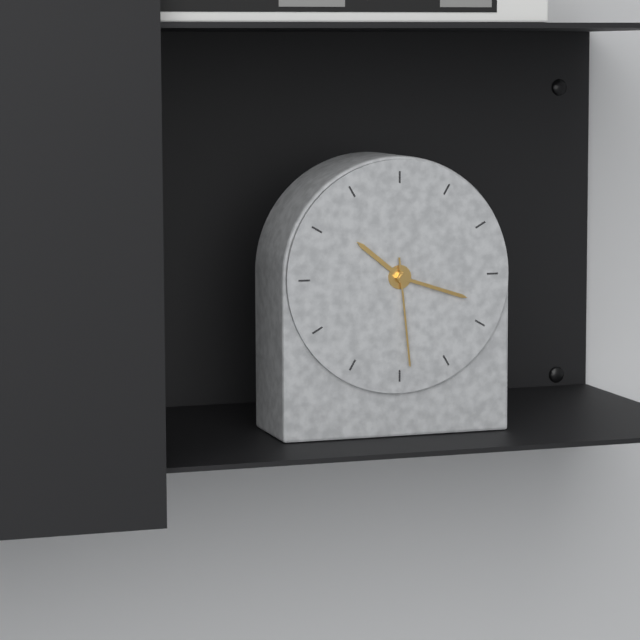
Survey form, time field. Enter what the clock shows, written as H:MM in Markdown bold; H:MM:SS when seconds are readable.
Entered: **10:18:29**
